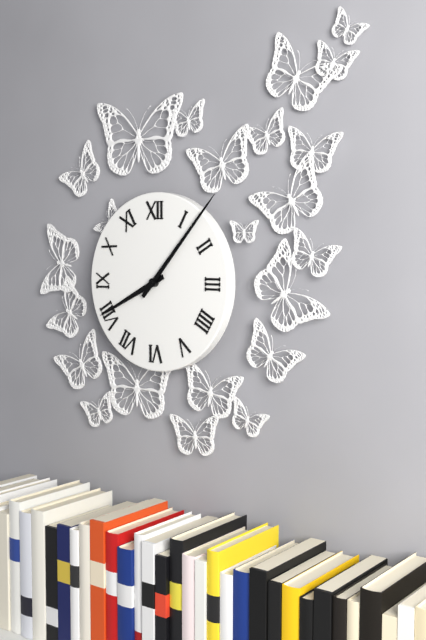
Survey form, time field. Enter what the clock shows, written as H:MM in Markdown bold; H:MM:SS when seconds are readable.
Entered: **8:07**
